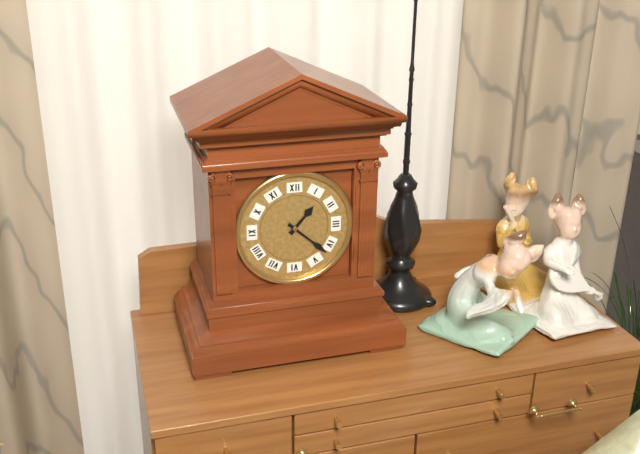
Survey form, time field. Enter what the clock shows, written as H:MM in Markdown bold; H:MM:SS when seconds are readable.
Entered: **1:22**
